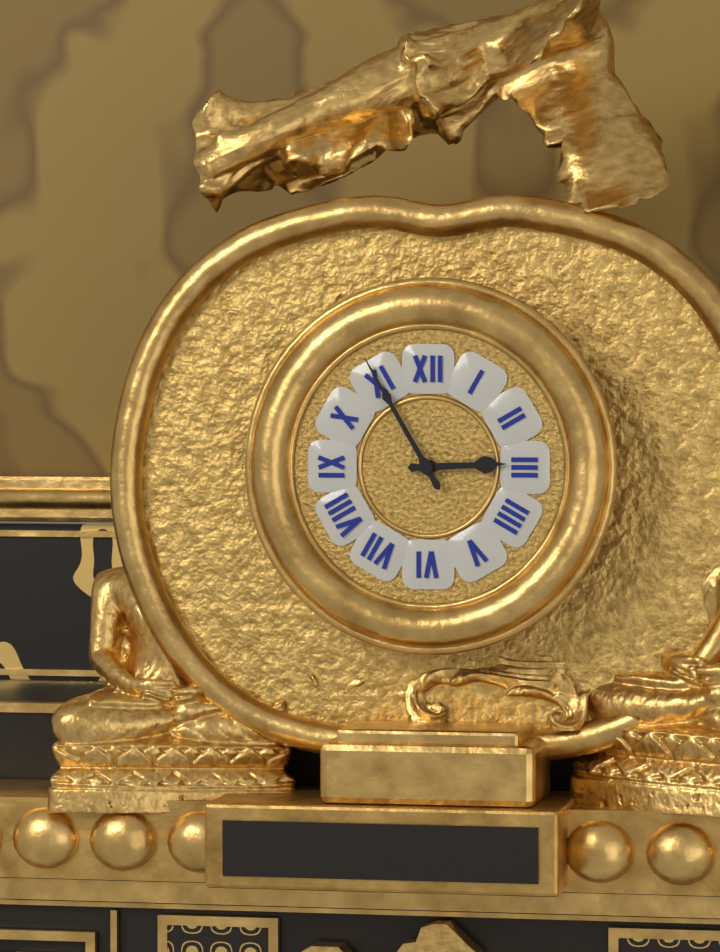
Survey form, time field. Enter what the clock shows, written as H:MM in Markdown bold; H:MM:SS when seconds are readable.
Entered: **2:55**
